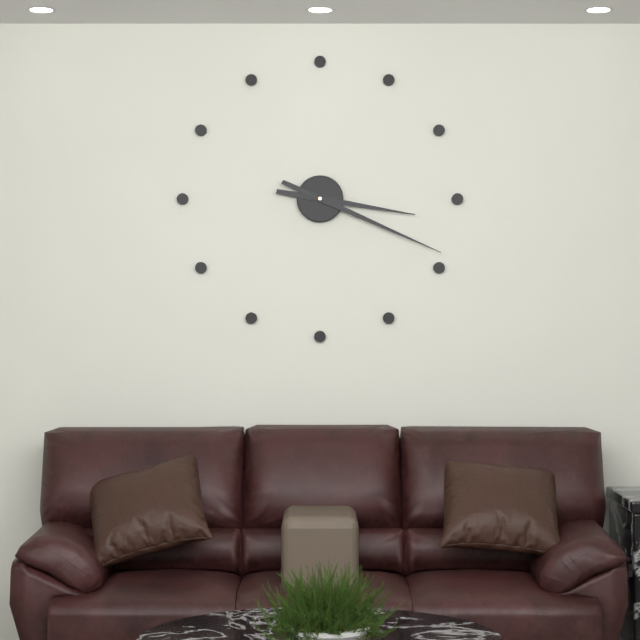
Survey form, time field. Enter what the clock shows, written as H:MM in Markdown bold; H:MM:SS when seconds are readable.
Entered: **3:19**
